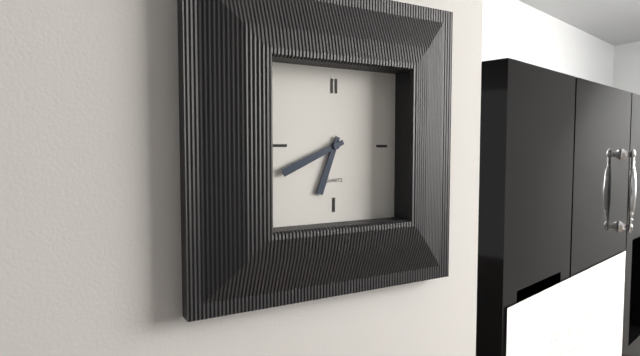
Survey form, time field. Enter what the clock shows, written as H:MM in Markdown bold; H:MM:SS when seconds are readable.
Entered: **6:41**
